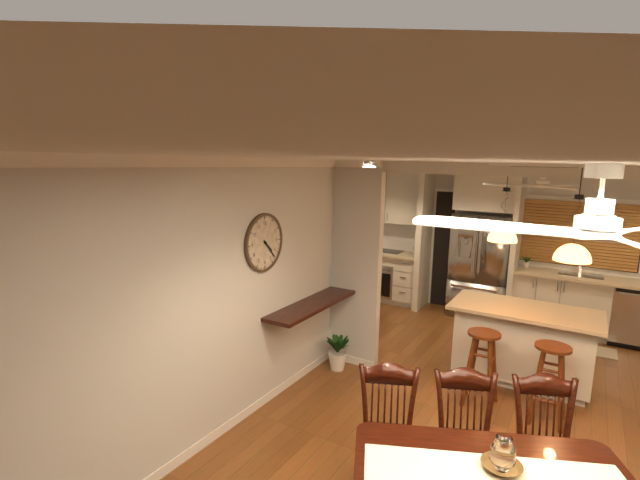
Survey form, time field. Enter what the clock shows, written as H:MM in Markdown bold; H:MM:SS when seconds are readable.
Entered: **4:23**
